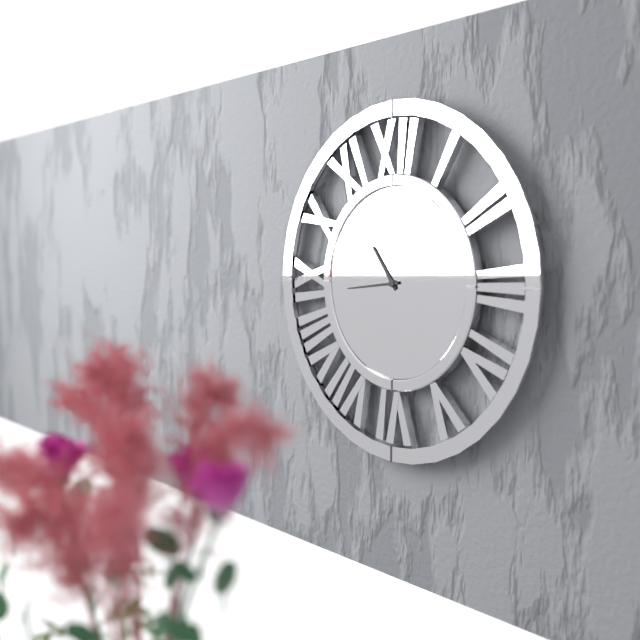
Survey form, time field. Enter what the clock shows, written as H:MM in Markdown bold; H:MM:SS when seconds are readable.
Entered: **10:44**
